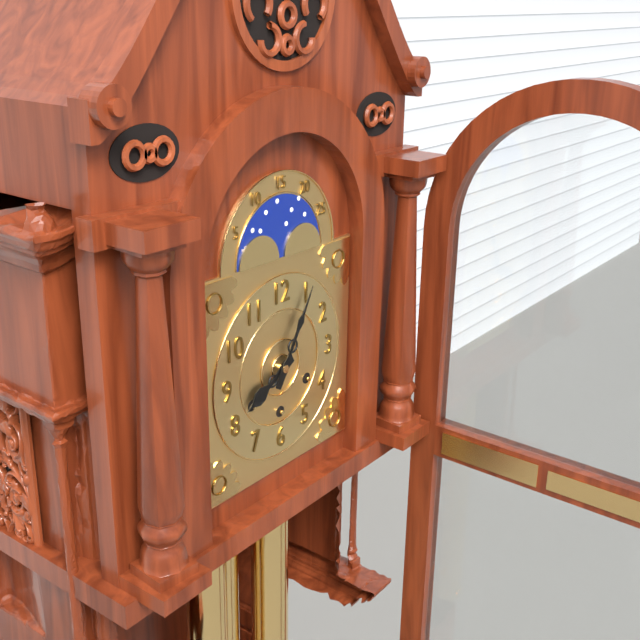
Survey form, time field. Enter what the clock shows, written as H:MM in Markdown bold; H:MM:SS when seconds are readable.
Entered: **8:05**
